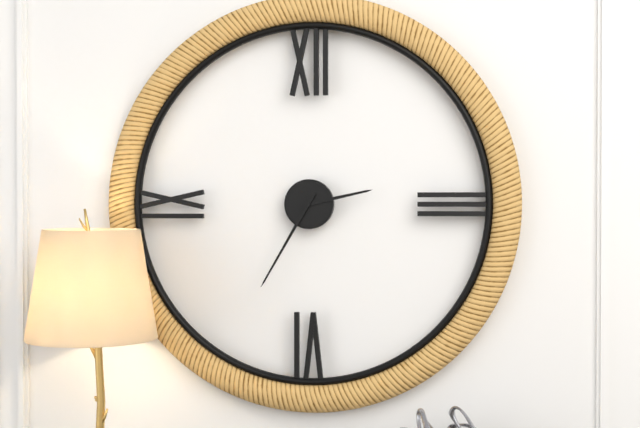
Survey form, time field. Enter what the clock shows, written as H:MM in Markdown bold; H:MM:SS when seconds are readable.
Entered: **2:35**
